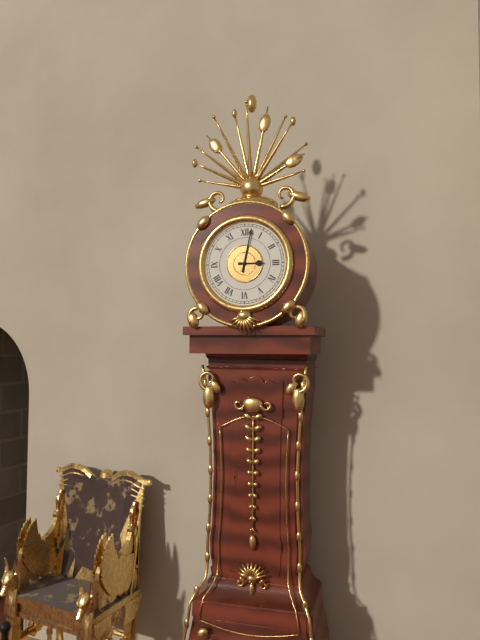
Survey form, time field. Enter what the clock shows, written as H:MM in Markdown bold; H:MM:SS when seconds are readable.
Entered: **3:02**
